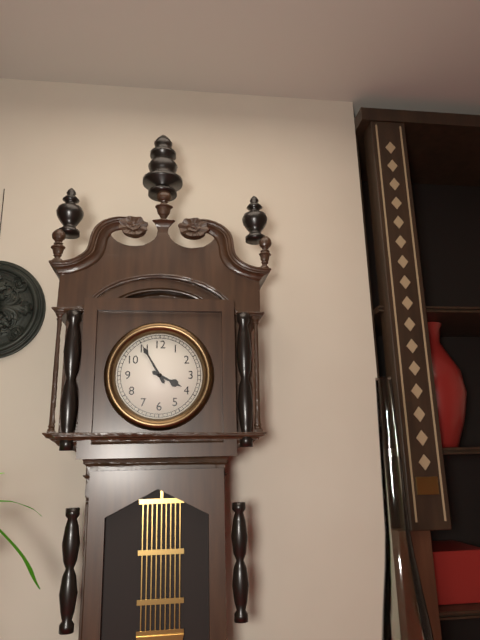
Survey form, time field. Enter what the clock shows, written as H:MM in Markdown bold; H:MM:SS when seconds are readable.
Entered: **3:55**
